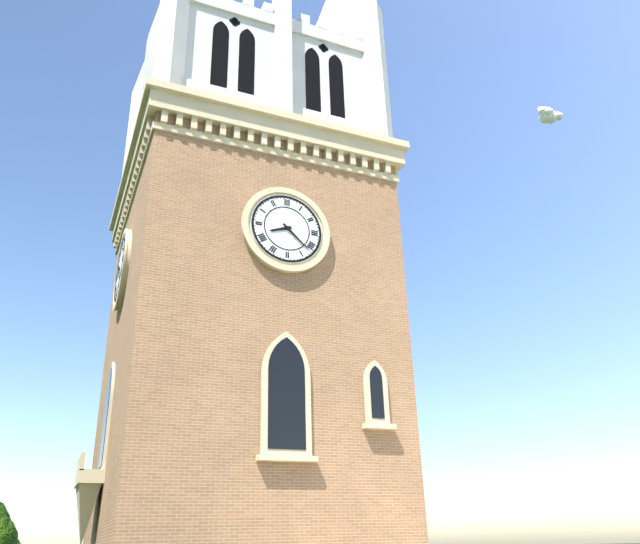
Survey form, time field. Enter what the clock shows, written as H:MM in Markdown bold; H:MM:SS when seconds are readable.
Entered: **8:22**
